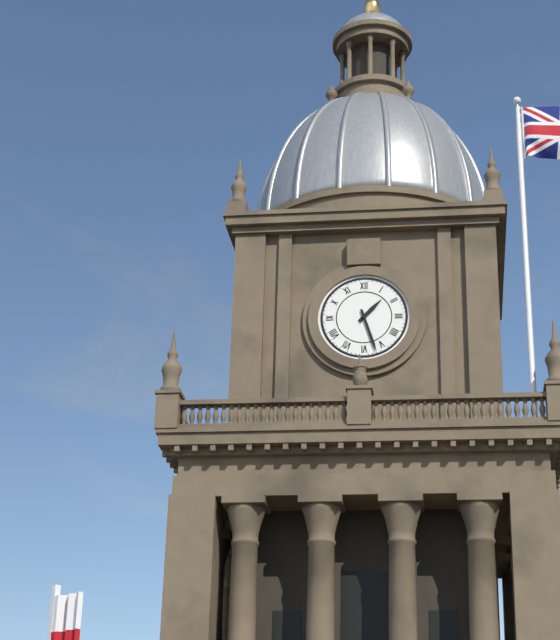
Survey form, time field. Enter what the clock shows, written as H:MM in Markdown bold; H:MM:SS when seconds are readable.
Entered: **1:27**
